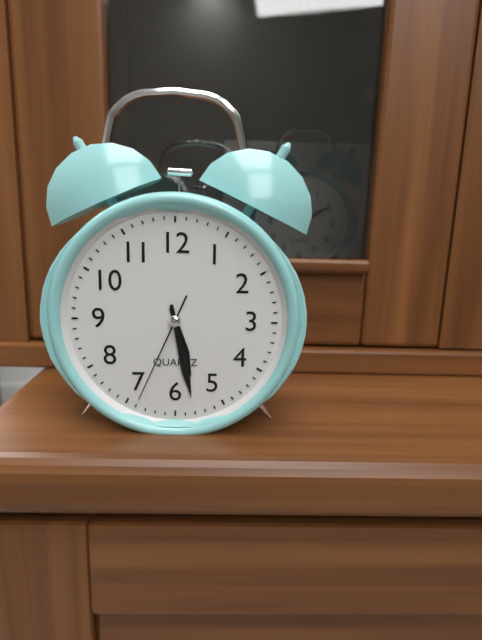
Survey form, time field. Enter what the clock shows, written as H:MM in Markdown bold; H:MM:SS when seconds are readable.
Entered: **5:28:34**
